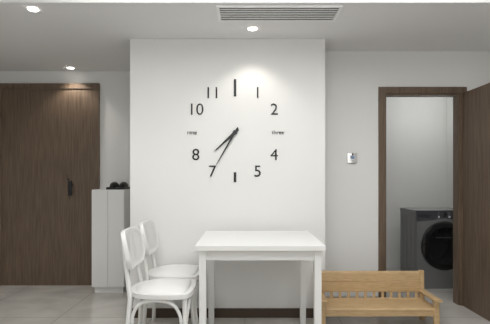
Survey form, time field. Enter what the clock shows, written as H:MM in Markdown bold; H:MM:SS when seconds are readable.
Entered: **7:35**
